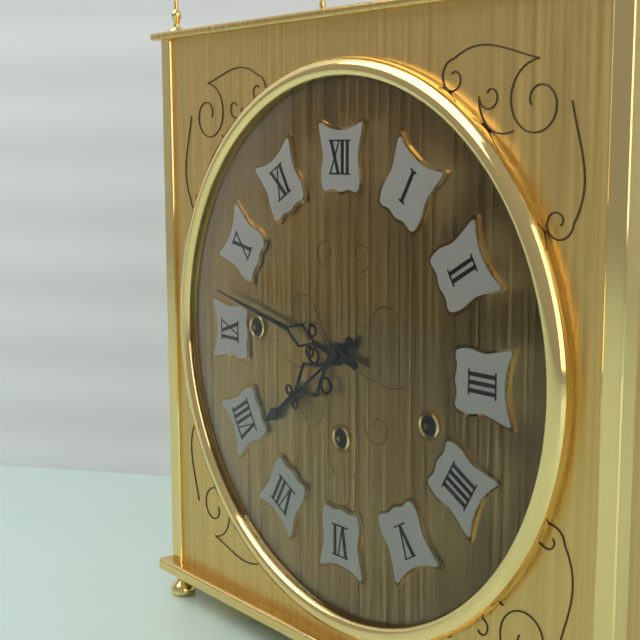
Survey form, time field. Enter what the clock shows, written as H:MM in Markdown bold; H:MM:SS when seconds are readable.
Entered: **7:47**
